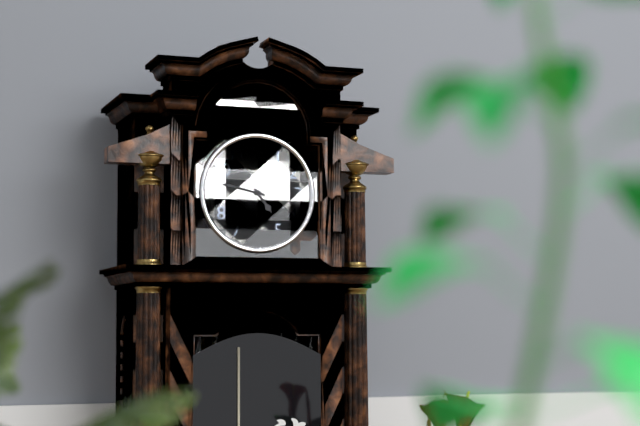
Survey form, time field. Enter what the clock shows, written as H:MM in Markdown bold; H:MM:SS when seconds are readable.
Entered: **4:47**
